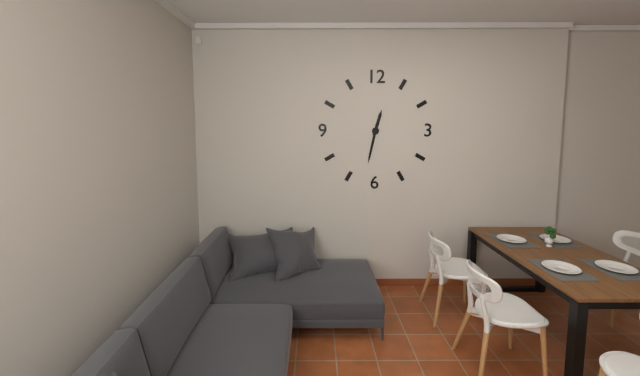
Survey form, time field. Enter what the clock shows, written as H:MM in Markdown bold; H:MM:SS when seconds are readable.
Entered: **12:32**
